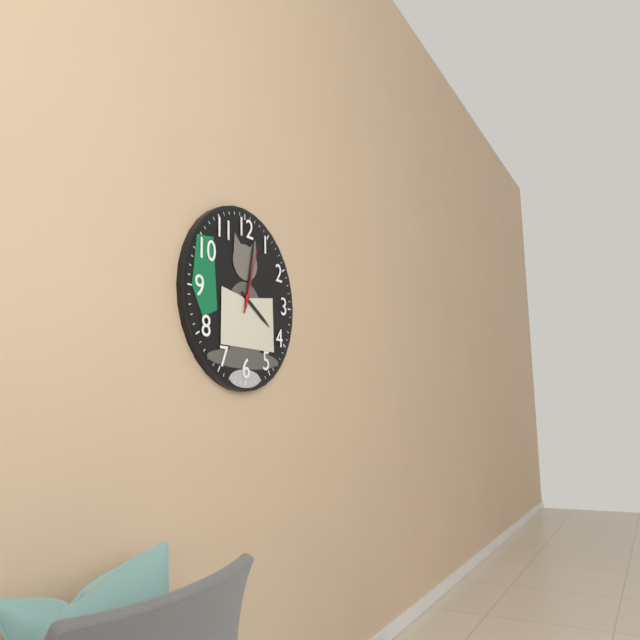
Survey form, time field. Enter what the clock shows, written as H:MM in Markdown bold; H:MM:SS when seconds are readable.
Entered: **4:02:03**
